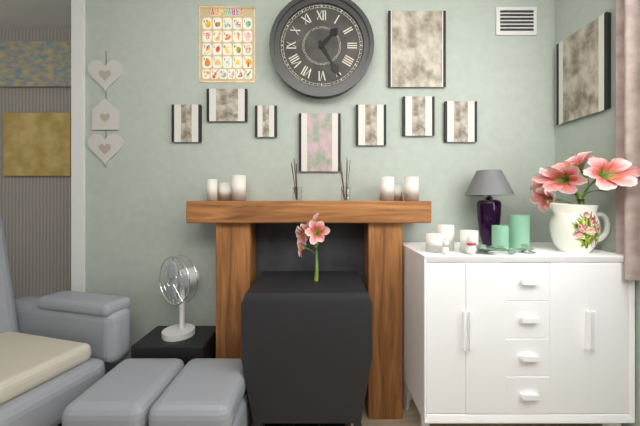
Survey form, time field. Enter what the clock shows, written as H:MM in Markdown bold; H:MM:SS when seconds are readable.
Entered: **1:25**
